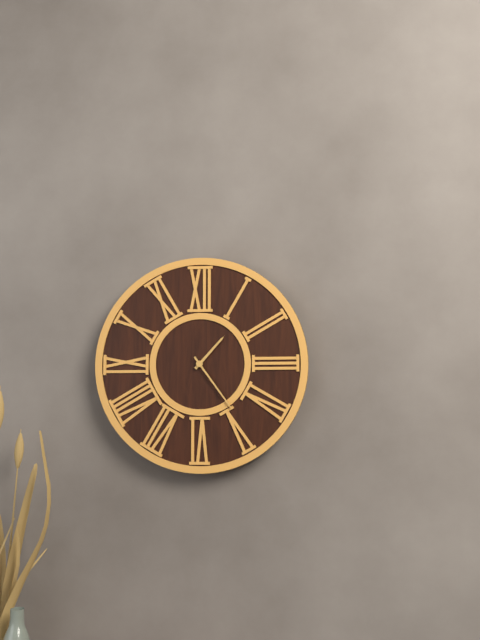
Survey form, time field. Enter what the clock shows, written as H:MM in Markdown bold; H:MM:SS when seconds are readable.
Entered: **1:24**
